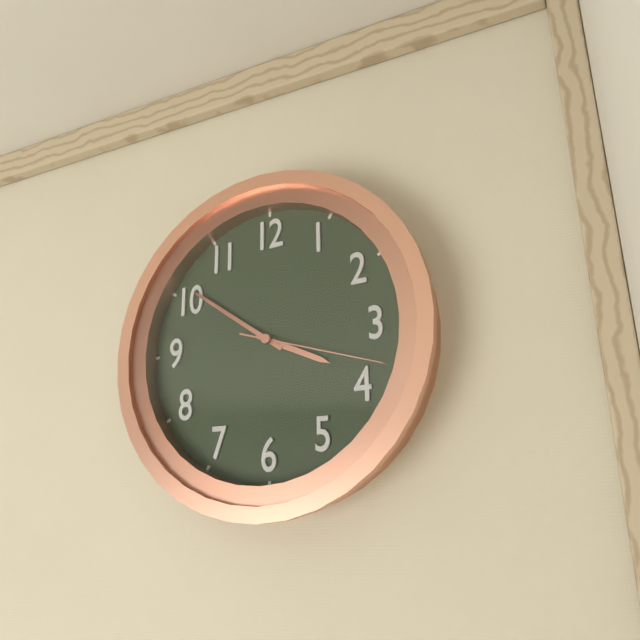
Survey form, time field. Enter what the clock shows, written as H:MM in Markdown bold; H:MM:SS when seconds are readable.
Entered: **3:51:18**
